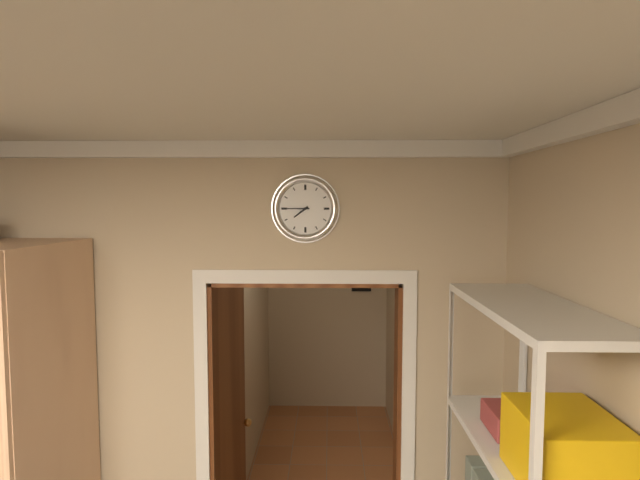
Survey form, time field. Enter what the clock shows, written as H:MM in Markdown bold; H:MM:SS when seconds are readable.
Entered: **7:45**
